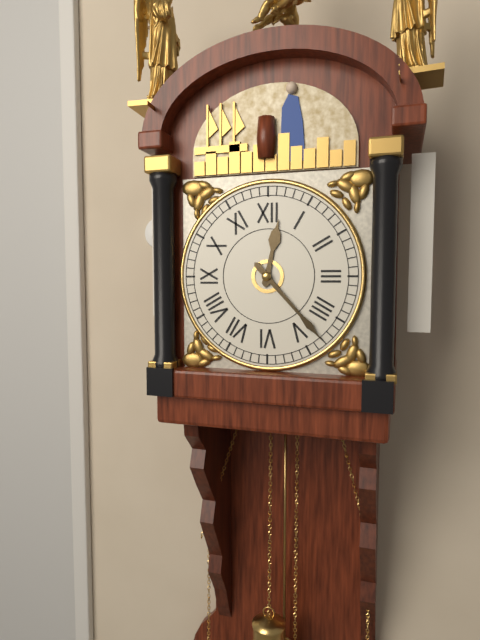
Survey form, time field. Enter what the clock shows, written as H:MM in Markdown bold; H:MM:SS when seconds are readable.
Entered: **12:23**
